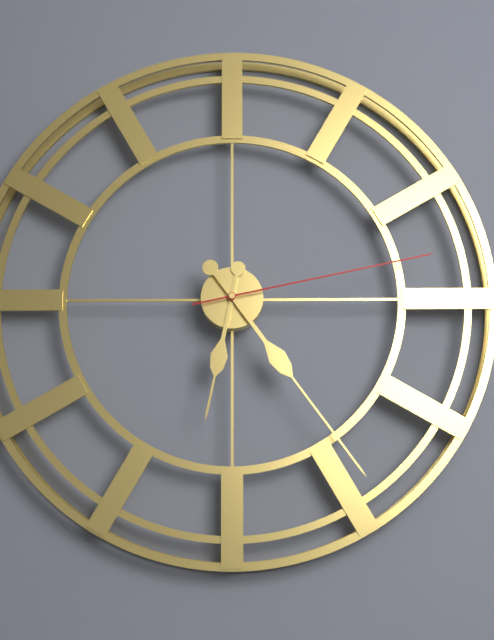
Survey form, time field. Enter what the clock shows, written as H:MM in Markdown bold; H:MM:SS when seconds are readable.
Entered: **6:24:13**
